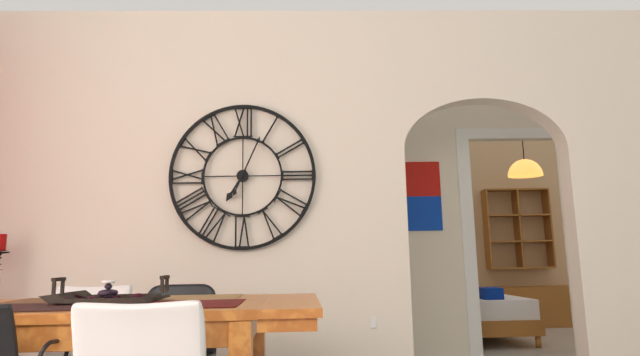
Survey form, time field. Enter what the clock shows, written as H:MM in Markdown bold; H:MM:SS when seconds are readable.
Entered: **7:04**
